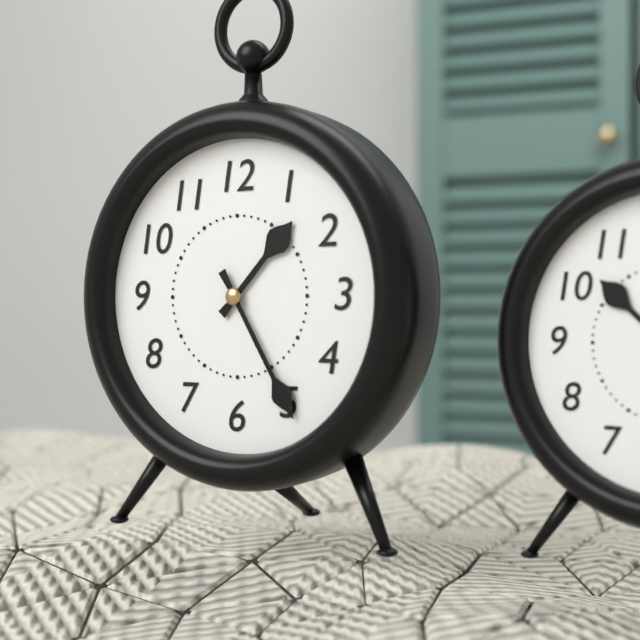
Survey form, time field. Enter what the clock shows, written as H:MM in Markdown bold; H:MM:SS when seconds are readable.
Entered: **1:25**
